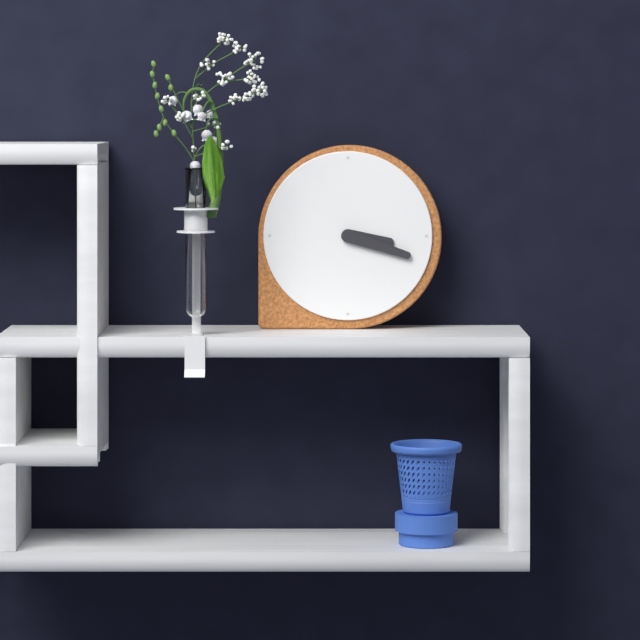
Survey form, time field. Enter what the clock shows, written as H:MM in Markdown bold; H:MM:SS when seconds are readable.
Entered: **3:18**
